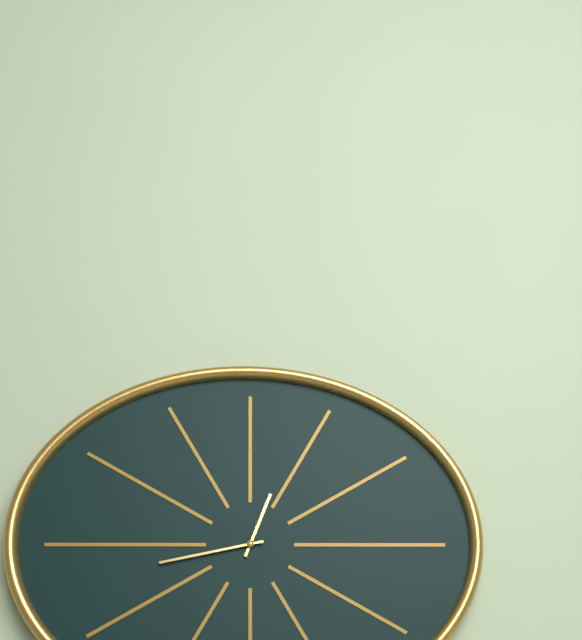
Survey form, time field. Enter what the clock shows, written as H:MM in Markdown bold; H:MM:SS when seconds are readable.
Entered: **12:43**
